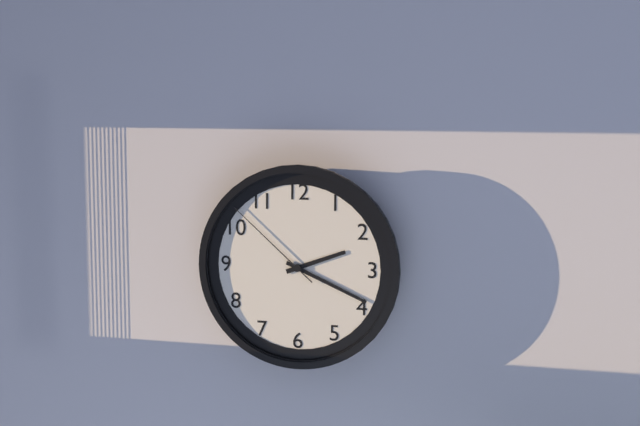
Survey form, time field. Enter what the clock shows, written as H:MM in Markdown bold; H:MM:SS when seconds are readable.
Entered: **2:19:52**
